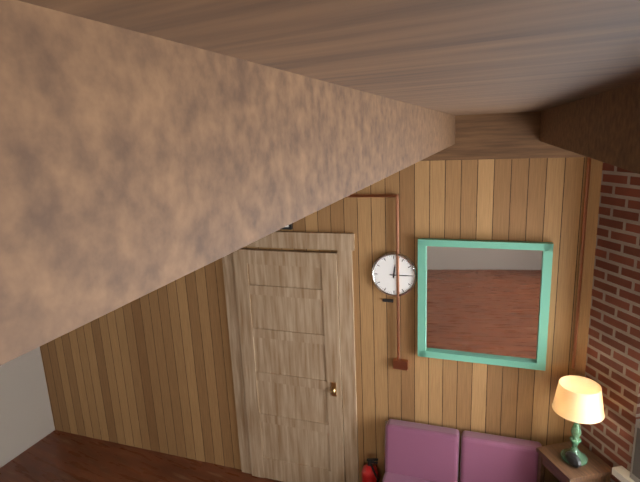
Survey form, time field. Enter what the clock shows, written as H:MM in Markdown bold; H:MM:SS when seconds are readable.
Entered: **12:15**
